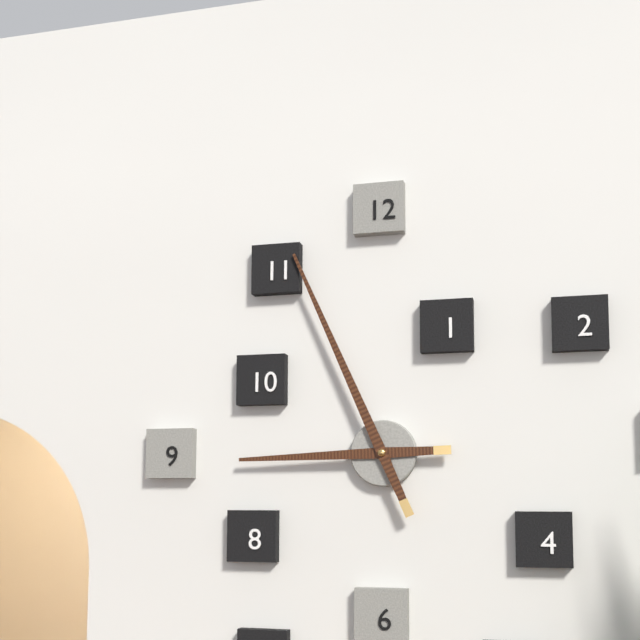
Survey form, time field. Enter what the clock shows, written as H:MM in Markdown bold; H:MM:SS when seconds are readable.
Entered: **8:56**
